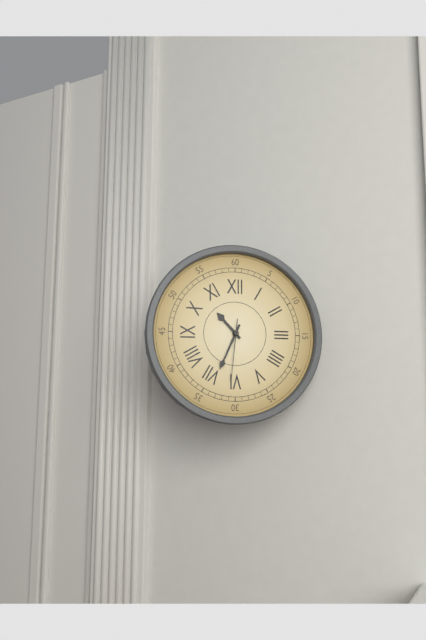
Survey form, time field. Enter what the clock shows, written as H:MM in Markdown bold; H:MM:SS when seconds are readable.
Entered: **10:34:31**
